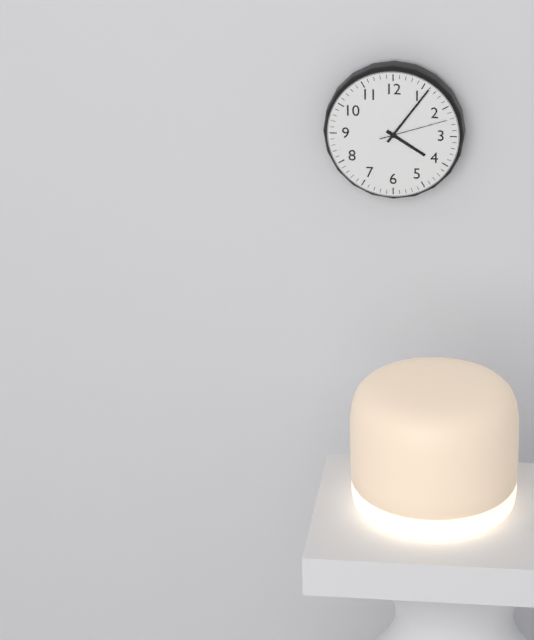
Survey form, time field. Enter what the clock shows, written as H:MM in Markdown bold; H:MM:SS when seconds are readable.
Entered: **4:06:12**
